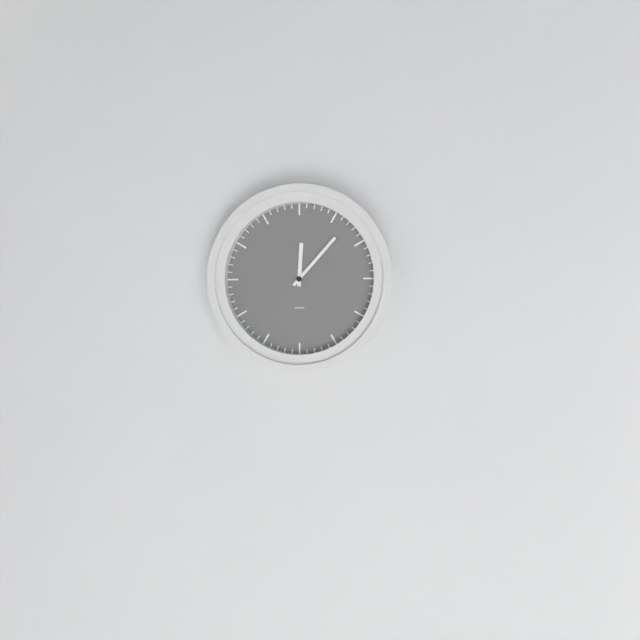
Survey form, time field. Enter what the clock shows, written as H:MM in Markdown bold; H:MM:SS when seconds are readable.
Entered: **12:07**
